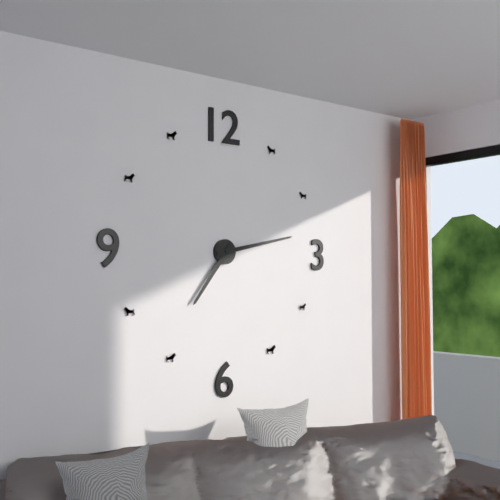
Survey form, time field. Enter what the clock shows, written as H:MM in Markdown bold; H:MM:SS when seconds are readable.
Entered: **7:13**
